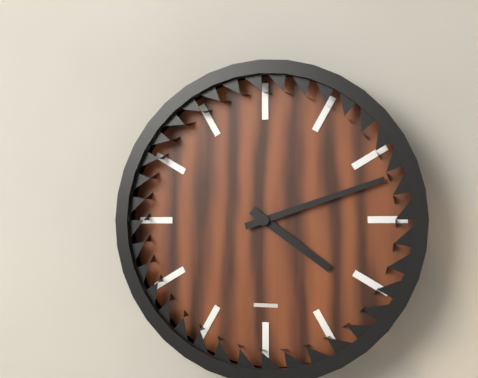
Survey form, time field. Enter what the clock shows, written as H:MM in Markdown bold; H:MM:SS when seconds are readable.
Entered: **4:12**
